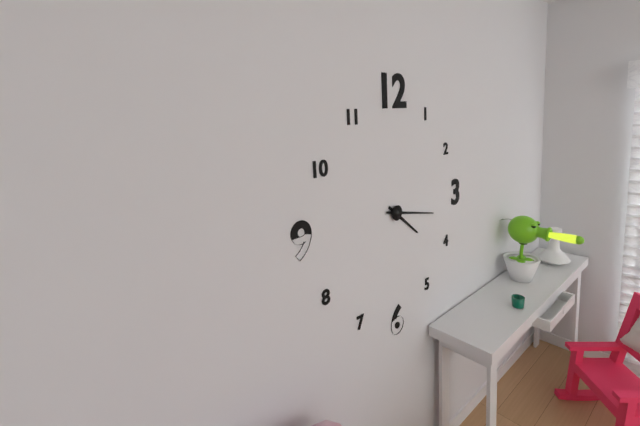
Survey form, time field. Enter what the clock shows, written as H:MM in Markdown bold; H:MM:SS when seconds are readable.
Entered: **4:17**
